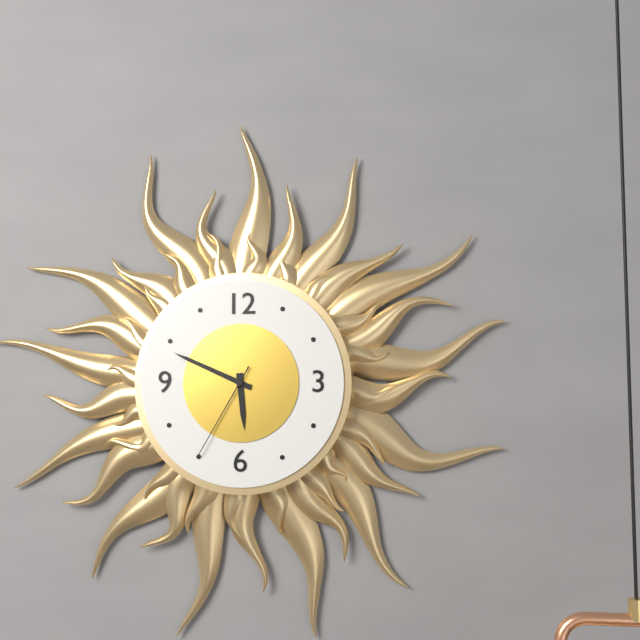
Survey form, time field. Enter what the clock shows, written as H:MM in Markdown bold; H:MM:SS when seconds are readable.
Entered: **5:49:35**
